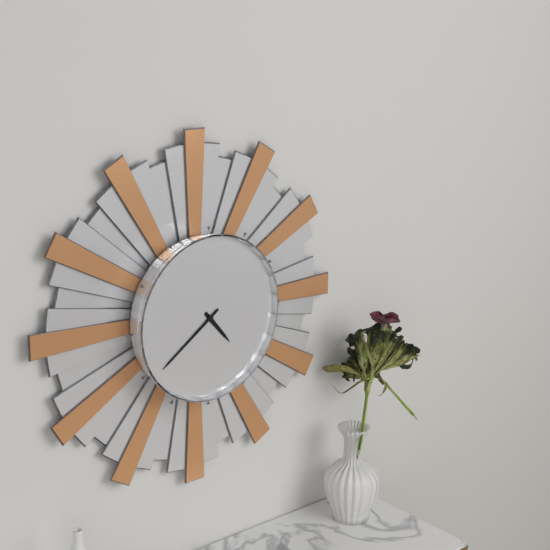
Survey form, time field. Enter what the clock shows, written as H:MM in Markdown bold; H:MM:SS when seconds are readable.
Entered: **4:39**
